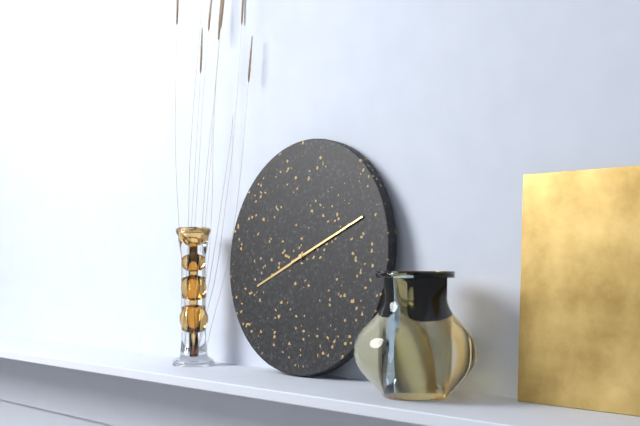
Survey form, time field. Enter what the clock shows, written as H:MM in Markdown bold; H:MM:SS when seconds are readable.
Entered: **8:11**
